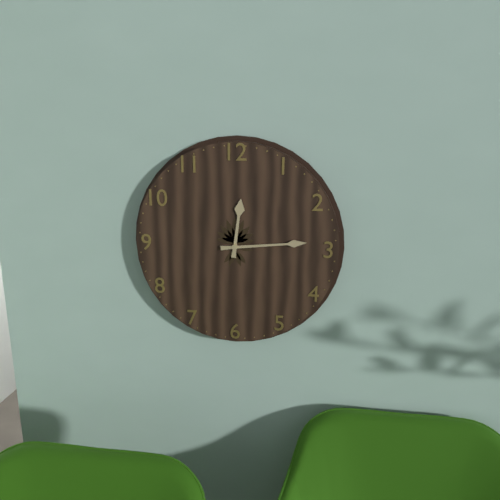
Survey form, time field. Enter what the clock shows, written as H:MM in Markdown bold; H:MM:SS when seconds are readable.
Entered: **12:14**
